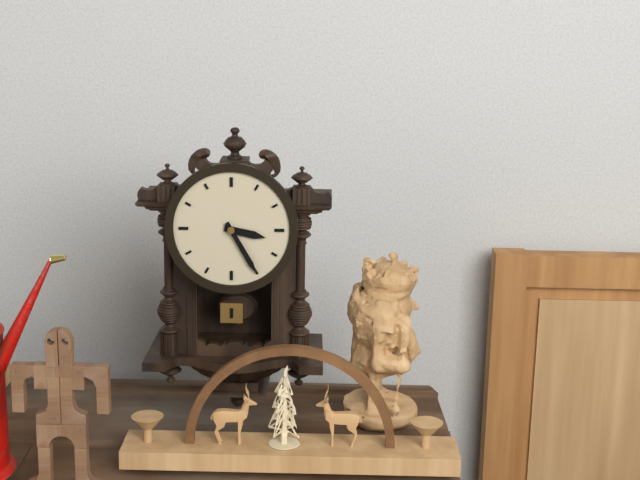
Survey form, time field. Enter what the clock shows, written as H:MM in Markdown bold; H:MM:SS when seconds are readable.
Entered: **3:25**
